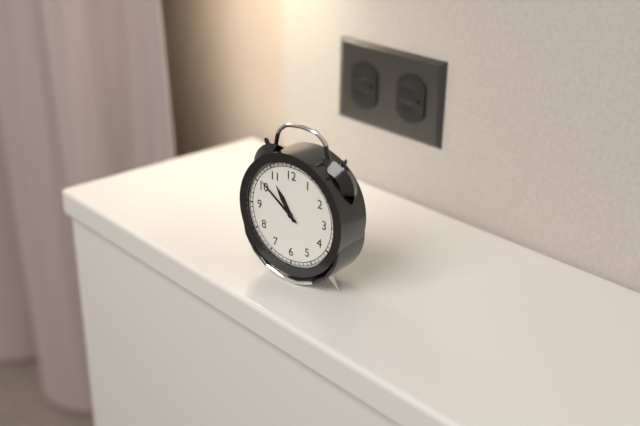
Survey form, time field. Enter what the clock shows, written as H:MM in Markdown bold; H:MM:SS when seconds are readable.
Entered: **10:51**
